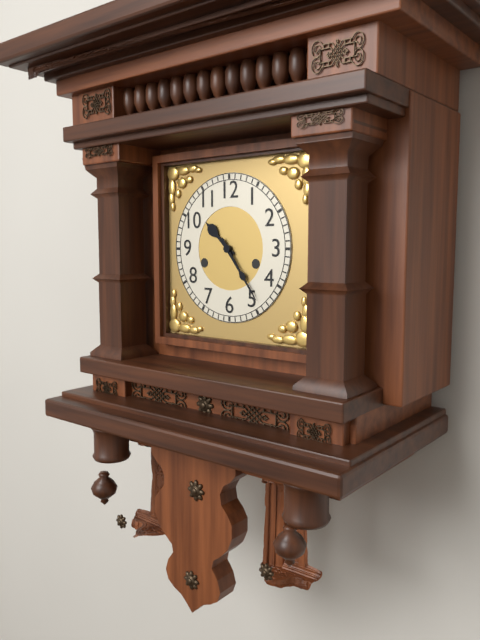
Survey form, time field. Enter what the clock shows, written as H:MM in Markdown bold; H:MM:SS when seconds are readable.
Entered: **10:24**
